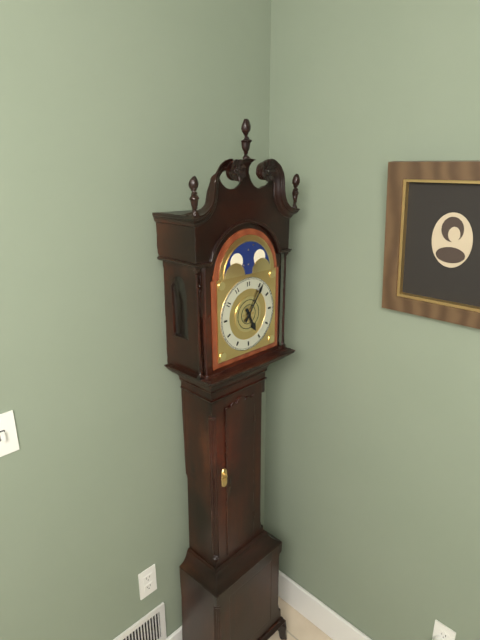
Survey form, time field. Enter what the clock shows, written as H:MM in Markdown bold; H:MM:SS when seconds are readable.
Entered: **5:06**
